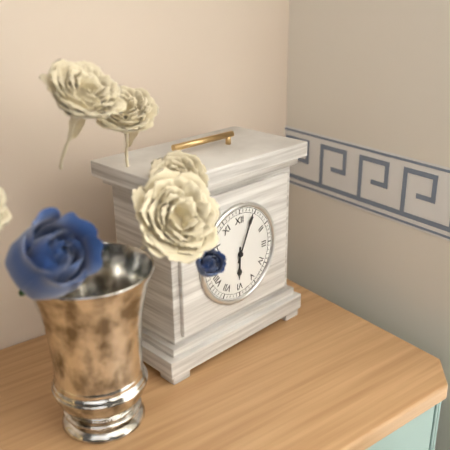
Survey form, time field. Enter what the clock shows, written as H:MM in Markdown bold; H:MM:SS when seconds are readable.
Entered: **6:04**
